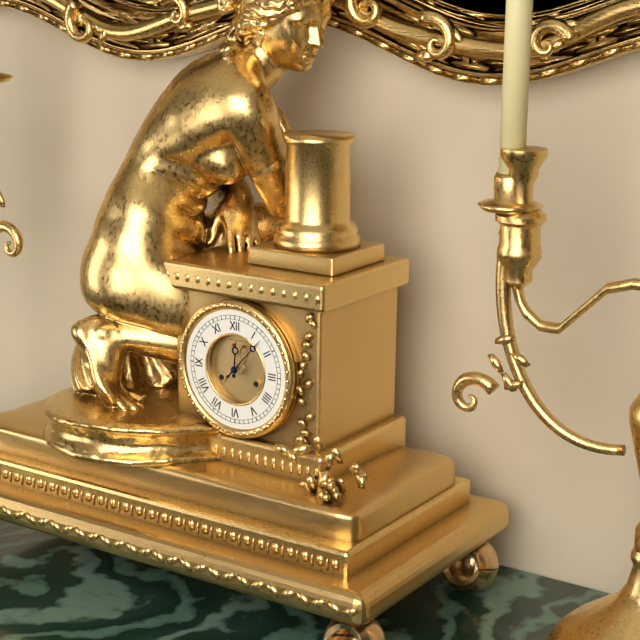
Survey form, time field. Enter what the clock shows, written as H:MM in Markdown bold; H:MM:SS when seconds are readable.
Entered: **12:07**
